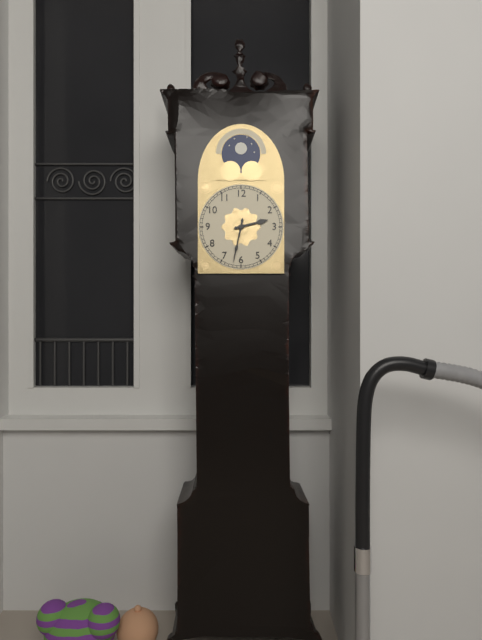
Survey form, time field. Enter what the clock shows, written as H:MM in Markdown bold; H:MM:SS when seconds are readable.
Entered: **2:32**
